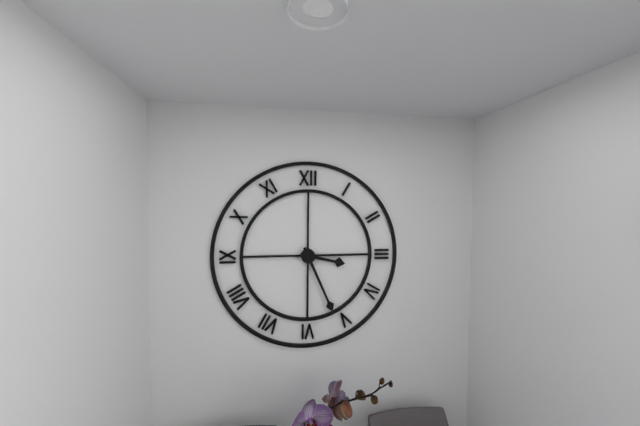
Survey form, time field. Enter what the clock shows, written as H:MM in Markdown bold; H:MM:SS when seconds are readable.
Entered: **3:26**
